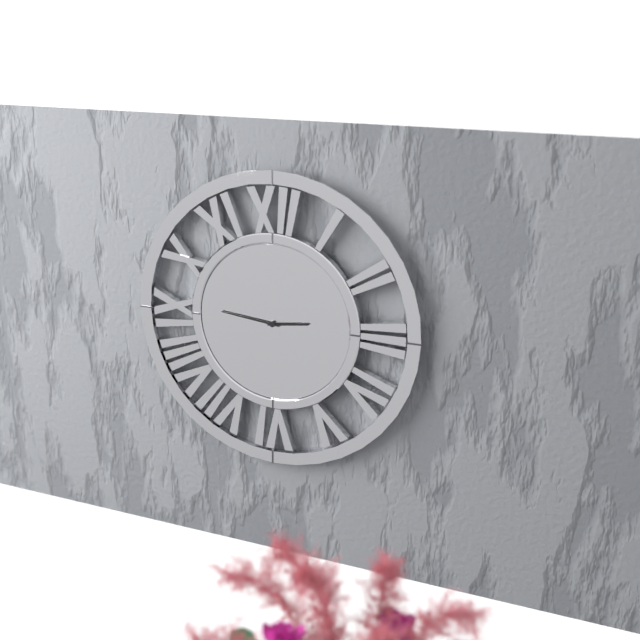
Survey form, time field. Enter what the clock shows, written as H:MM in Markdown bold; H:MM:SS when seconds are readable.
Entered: **2:46**
